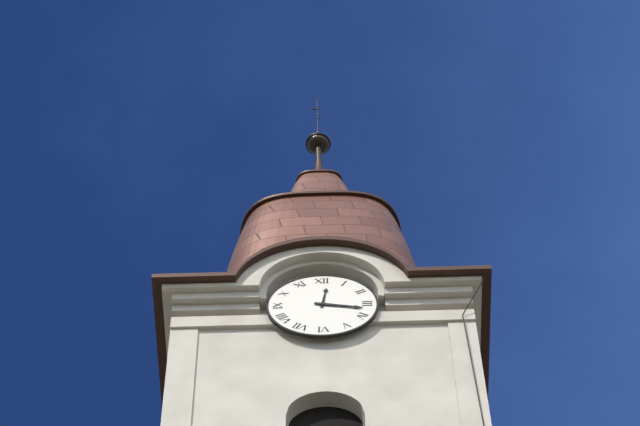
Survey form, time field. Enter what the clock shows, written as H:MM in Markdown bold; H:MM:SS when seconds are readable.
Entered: **12:17**
